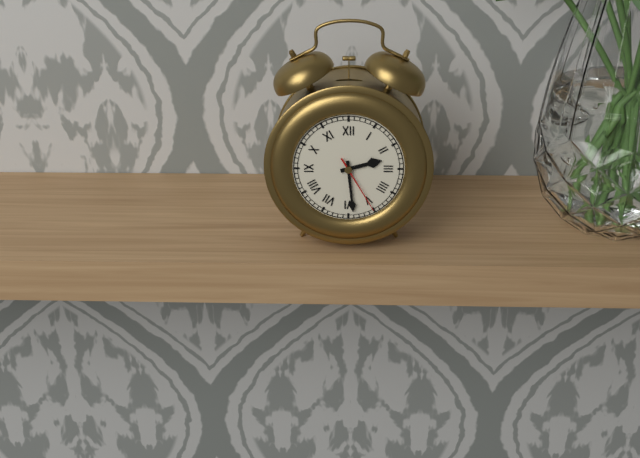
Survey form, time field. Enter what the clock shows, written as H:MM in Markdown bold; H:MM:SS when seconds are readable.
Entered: **2:29:25**
